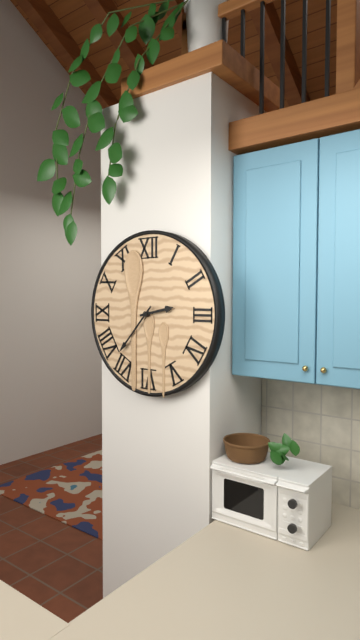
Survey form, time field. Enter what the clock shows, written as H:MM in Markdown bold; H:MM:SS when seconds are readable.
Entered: **2:37**
